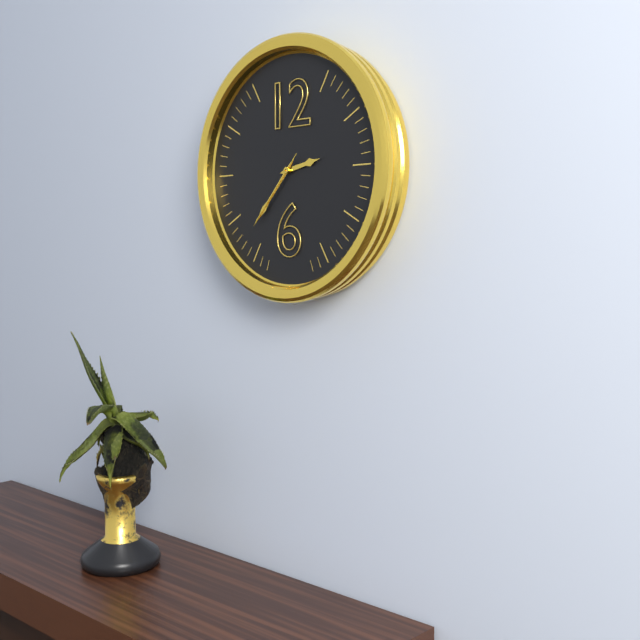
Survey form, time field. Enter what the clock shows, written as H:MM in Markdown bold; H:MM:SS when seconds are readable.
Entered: **2:37:37**
